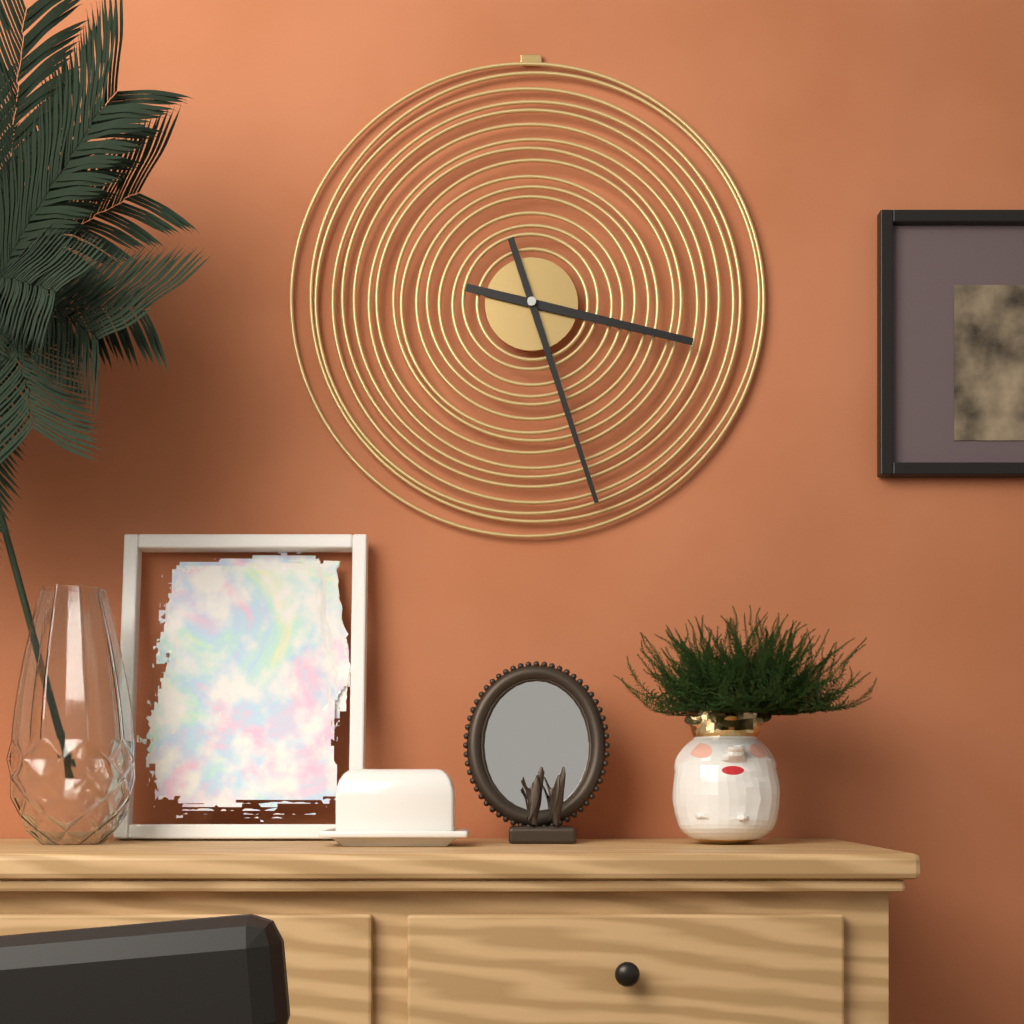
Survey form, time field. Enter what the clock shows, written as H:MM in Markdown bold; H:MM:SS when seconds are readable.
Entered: **3:27**
